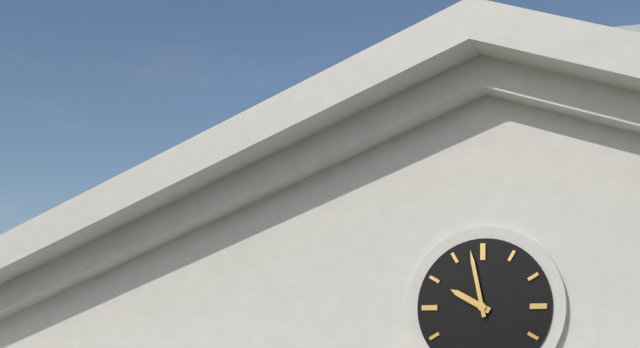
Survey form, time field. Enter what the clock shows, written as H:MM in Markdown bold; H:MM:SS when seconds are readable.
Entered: **9:58**
